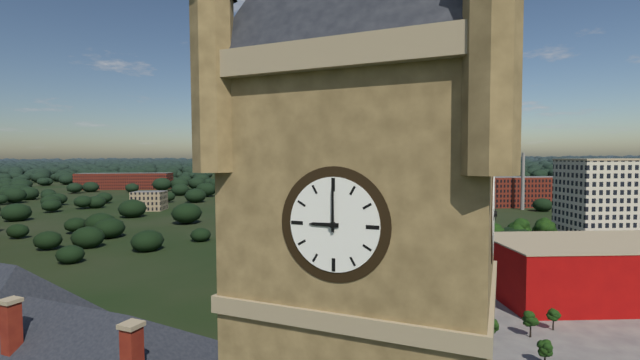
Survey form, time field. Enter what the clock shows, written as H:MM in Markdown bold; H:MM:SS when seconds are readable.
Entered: **9:00**
